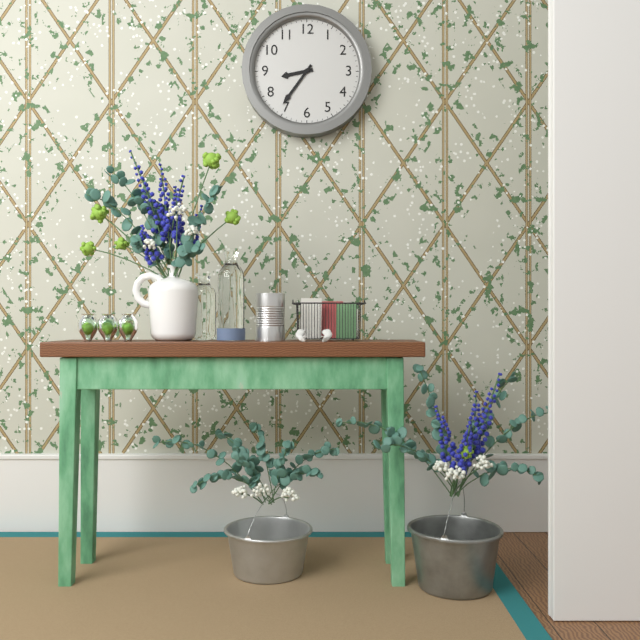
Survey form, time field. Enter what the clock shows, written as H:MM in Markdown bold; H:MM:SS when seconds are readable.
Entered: **8:36**
